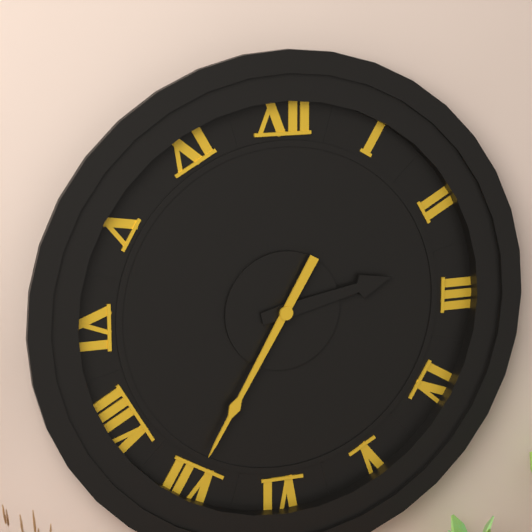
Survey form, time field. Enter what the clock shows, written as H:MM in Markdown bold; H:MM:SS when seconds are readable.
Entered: **2:35**
